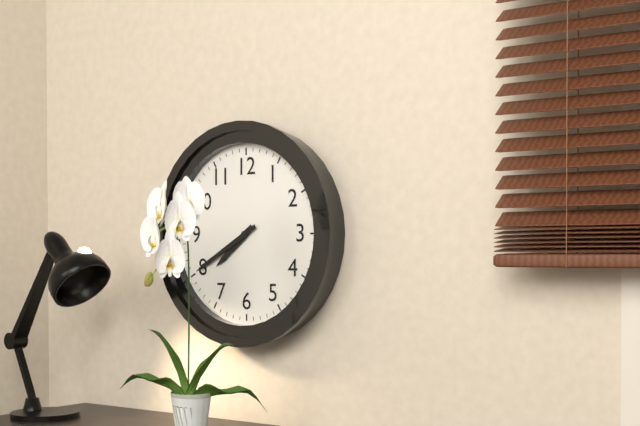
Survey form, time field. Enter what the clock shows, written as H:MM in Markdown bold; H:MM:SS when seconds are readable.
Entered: **7:40**
